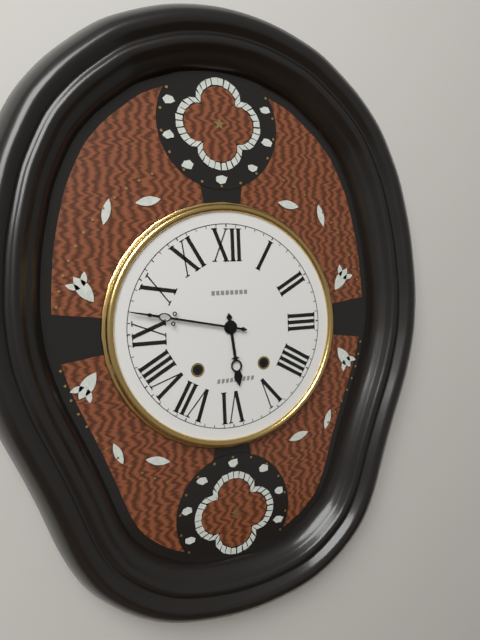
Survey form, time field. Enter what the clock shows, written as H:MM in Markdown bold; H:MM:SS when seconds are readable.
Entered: **5:47**
